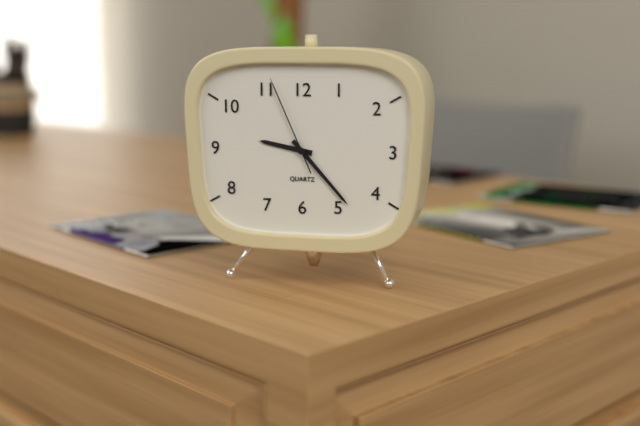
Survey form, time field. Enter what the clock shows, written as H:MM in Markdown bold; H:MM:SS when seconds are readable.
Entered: **9:23:56**
